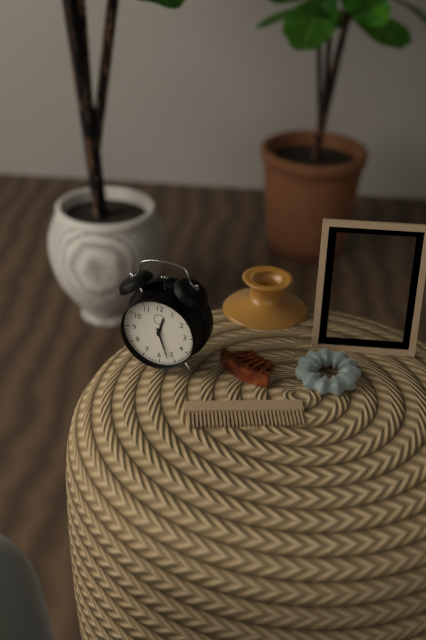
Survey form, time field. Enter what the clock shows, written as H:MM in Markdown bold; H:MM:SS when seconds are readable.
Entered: **12:27**
